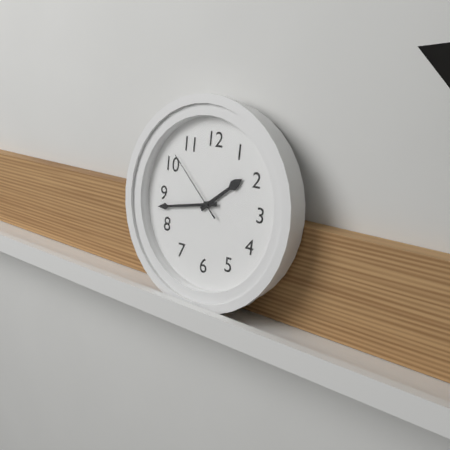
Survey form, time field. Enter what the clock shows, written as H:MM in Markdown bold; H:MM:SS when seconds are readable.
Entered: **1:43:52**
